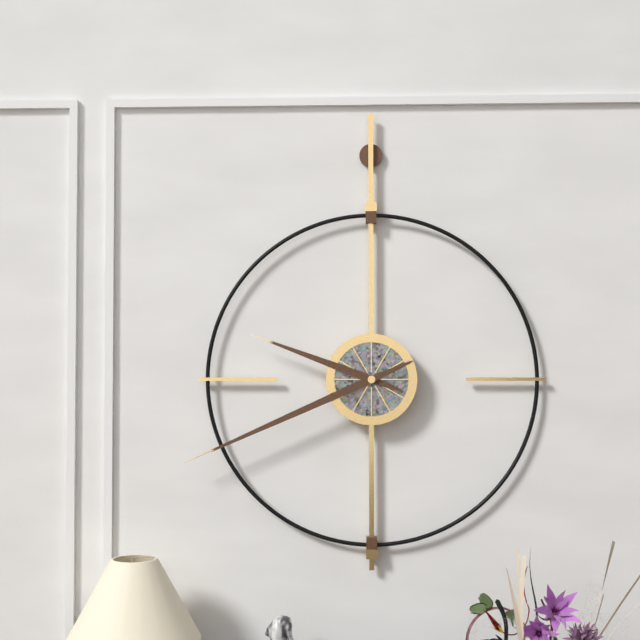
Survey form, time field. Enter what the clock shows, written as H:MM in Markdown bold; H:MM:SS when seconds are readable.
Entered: **9:41**
